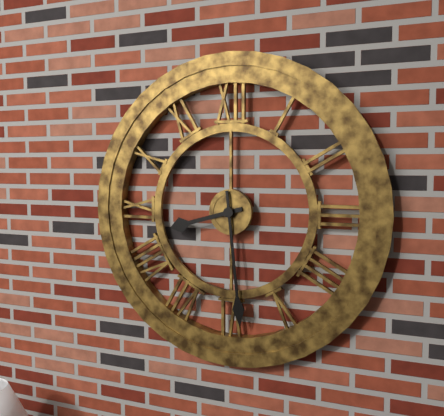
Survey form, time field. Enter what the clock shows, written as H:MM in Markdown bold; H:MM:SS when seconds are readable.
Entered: **8:29**
